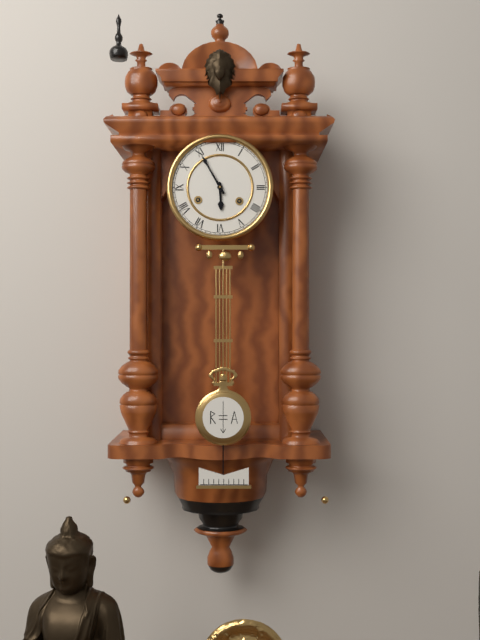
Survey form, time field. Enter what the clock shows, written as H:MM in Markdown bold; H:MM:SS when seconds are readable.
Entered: **5:55**
